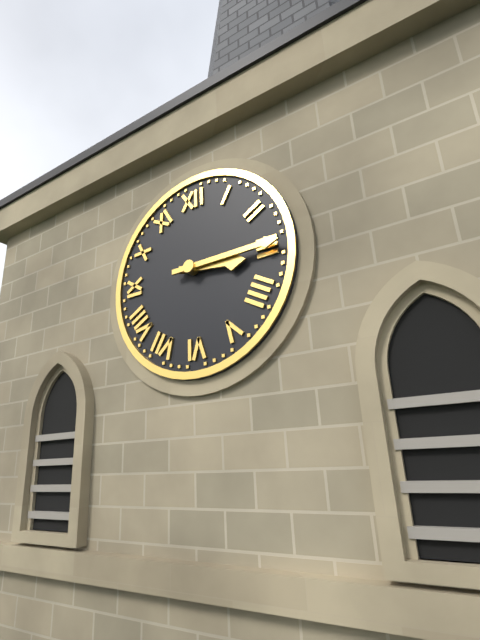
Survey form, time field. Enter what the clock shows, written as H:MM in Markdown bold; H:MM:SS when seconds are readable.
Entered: **3:15**
